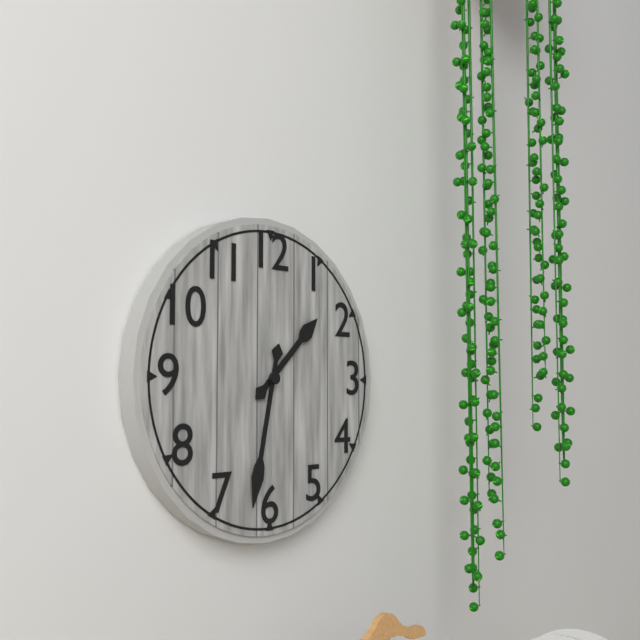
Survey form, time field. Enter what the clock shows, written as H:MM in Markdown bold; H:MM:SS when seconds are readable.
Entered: **1:32**
